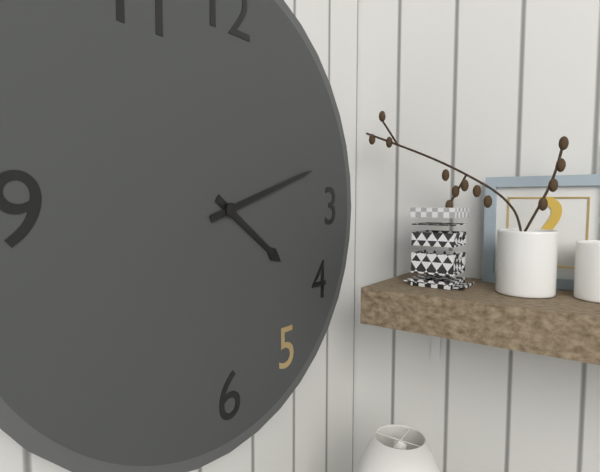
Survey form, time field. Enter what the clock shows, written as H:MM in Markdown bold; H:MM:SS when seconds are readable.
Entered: **4:12**
